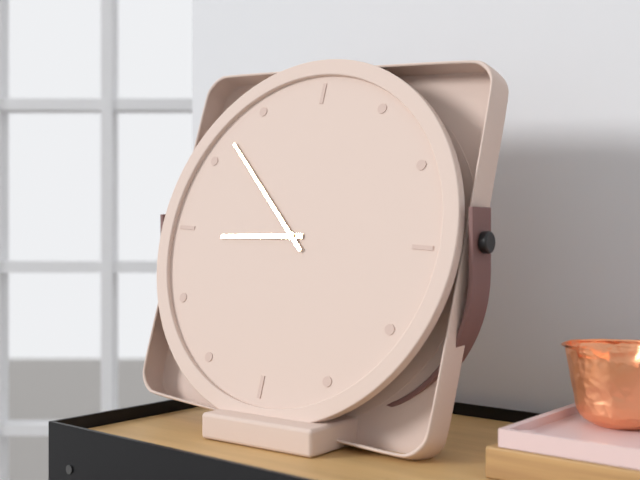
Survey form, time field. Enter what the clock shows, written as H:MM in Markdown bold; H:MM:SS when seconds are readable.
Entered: **8:52**
